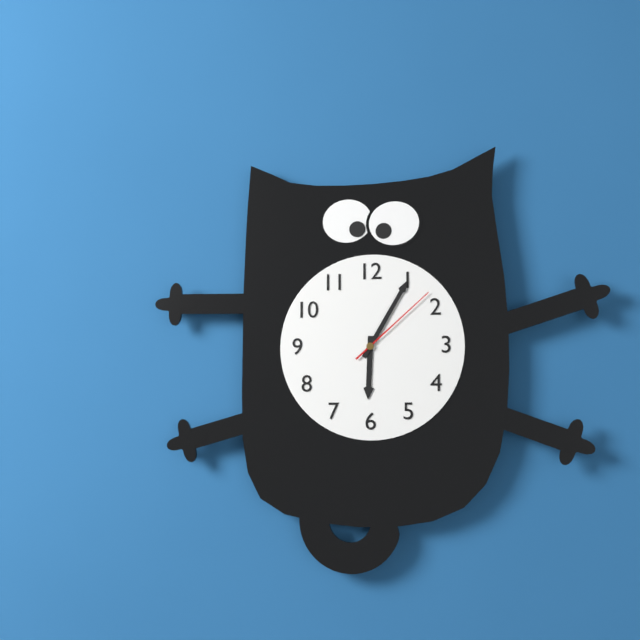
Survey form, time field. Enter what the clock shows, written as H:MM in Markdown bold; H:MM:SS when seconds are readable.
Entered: **6:05:08**
